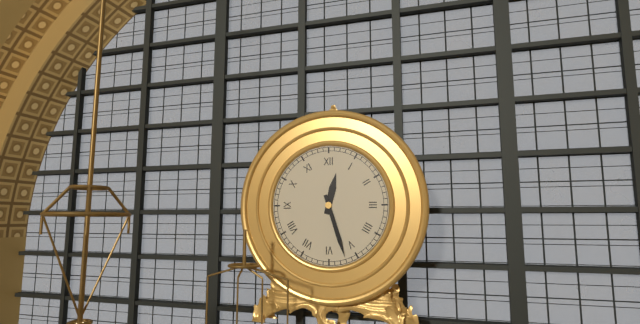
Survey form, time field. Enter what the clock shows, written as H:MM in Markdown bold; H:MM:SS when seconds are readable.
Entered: **12:27**
